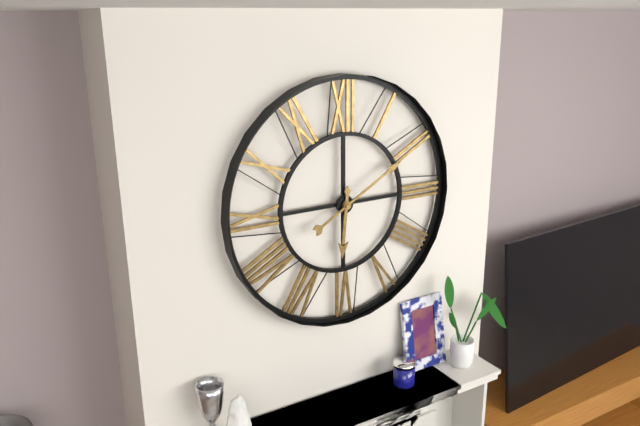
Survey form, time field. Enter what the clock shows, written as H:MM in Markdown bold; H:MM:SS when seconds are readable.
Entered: **6:10**
